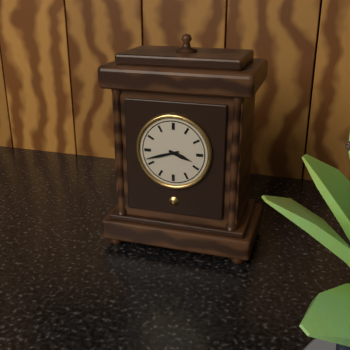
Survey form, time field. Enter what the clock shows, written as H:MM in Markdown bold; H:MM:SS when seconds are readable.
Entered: **3:42**
